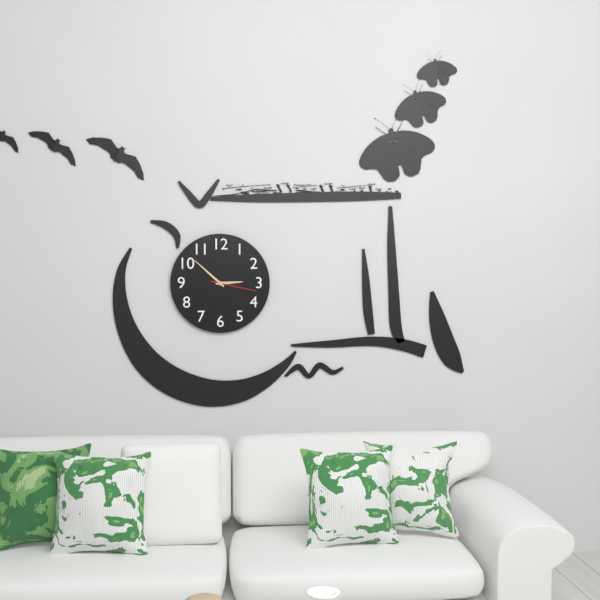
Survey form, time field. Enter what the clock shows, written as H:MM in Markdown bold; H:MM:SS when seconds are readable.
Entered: **2:52**
